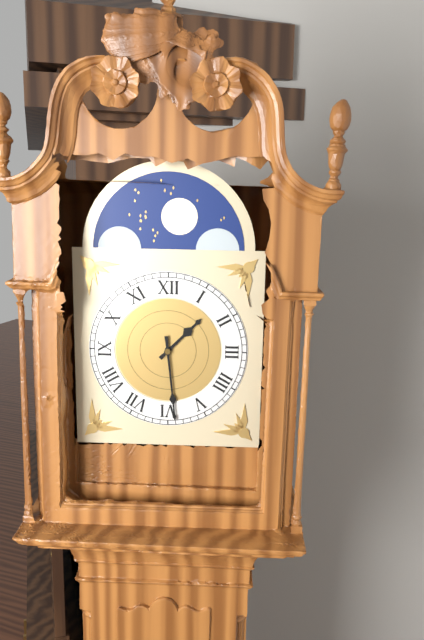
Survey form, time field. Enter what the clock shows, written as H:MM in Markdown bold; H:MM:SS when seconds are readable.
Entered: **1:29**
